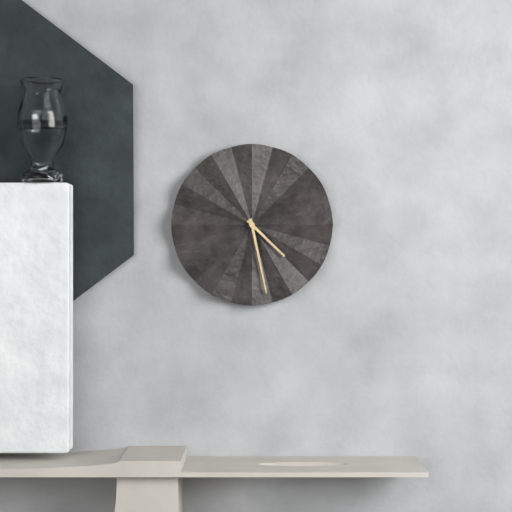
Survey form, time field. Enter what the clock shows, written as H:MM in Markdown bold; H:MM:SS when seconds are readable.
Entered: **4:28**
